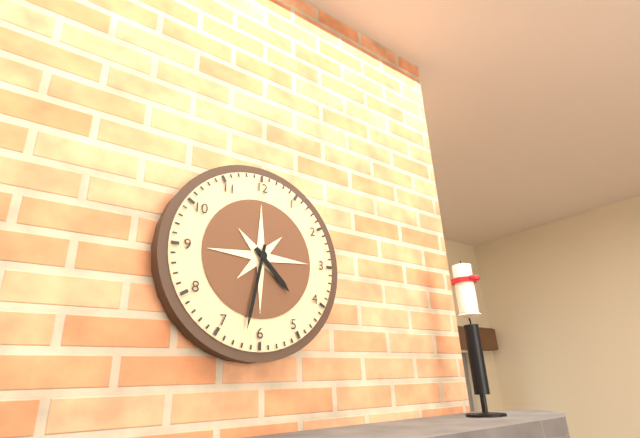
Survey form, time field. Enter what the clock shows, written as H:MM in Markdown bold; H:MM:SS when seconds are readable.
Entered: **4:32**
